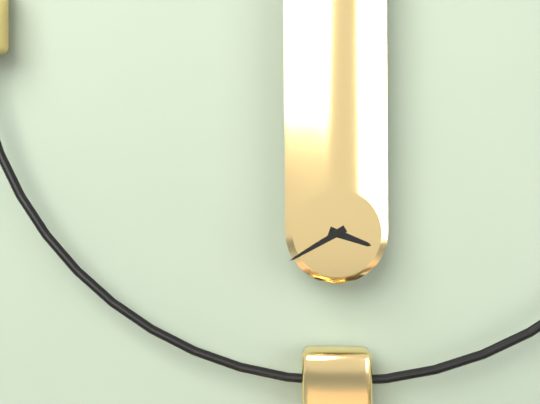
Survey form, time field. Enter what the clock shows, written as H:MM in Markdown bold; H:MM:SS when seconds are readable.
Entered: **3:40**
